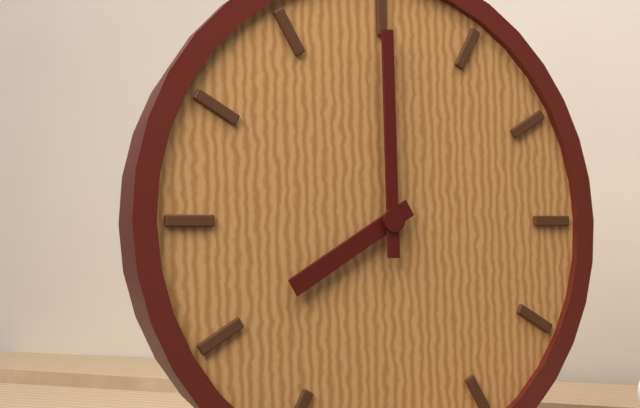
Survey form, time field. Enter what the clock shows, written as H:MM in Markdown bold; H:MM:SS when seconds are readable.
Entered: **8:00**
